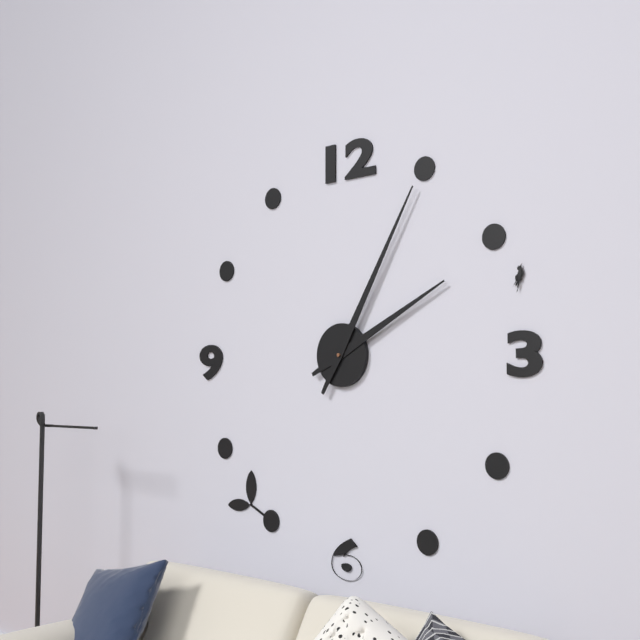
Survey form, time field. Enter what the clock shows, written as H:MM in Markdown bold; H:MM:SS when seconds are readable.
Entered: **2:05**
